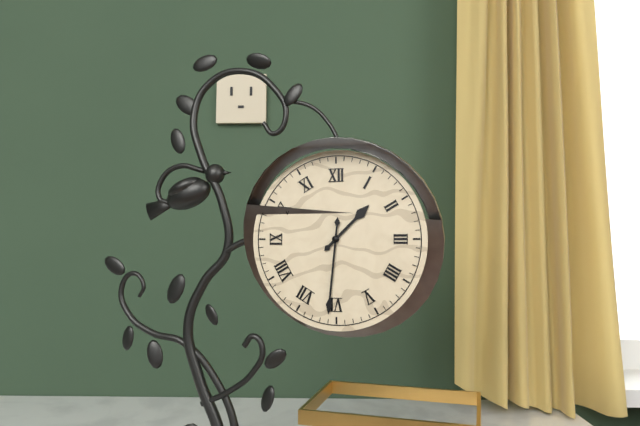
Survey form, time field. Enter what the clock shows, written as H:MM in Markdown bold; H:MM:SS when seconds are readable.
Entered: **1:31**
